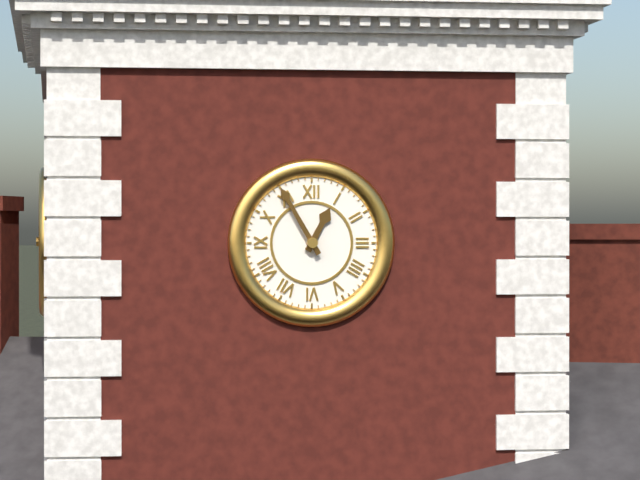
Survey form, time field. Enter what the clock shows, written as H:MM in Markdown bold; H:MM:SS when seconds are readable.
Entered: **12:55**
